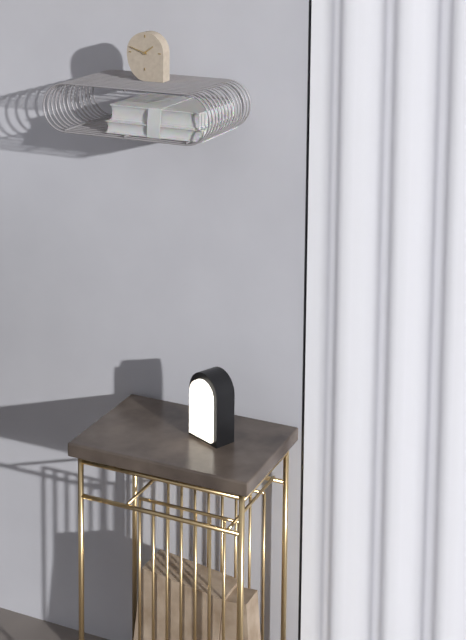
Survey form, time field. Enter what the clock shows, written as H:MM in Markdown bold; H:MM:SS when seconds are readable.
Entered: **1:48**
